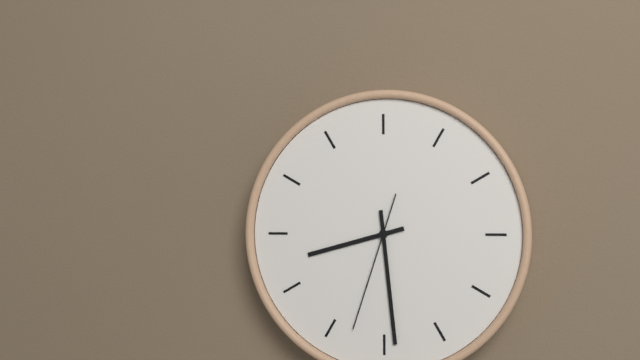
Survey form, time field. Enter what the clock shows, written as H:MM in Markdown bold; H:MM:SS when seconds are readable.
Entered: **8:29:33**
